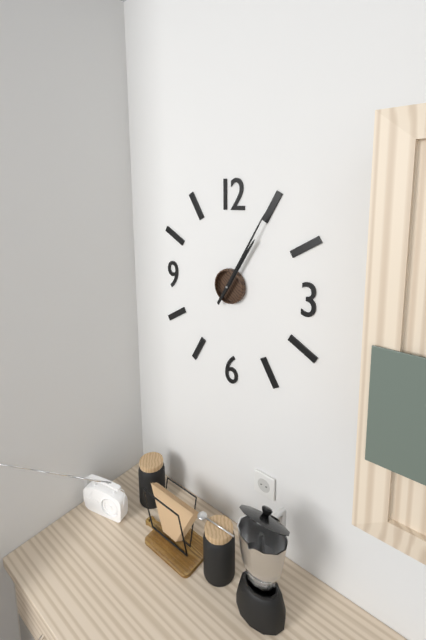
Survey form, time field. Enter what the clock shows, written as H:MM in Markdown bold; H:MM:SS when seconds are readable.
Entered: **1:05**
